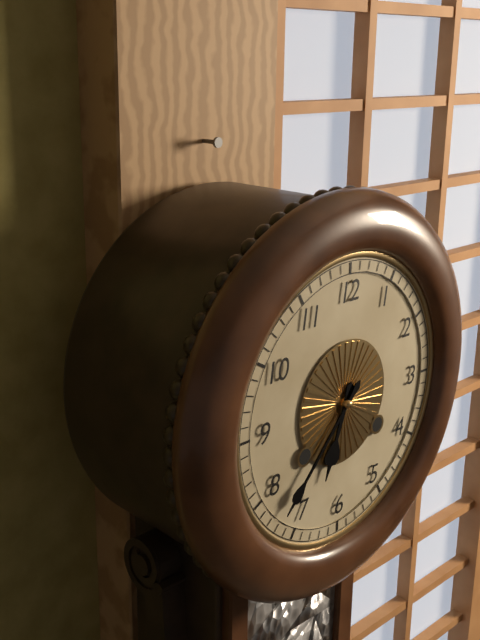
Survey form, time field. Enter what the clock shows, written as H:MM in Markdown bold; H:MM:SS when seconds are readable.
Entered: **6:37**
